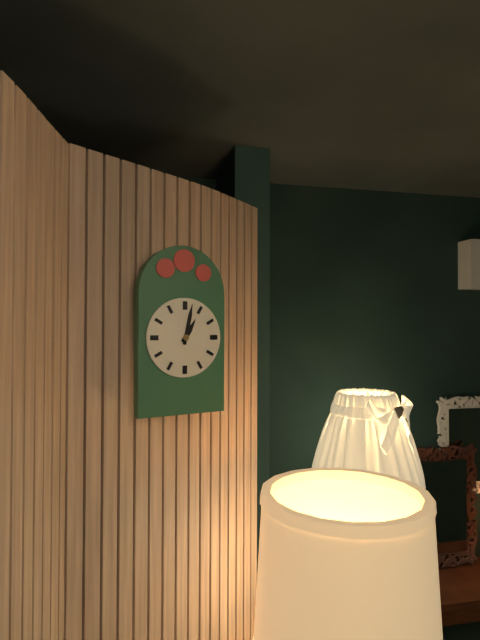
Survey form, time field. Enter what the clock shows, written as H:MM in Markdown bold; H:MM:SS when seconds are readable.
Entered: **1:02**
